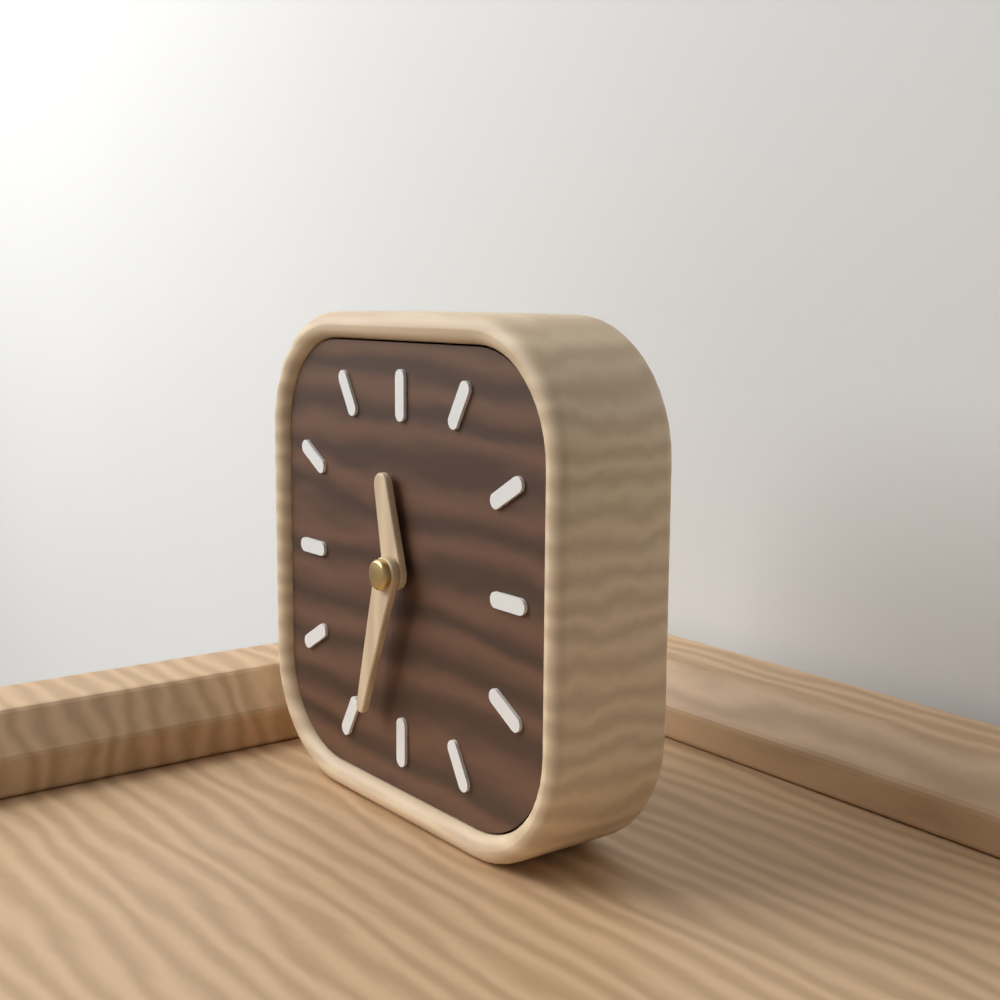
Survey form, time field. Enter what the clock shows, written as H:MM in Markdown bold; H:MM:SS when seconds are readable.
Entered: **11:33**
